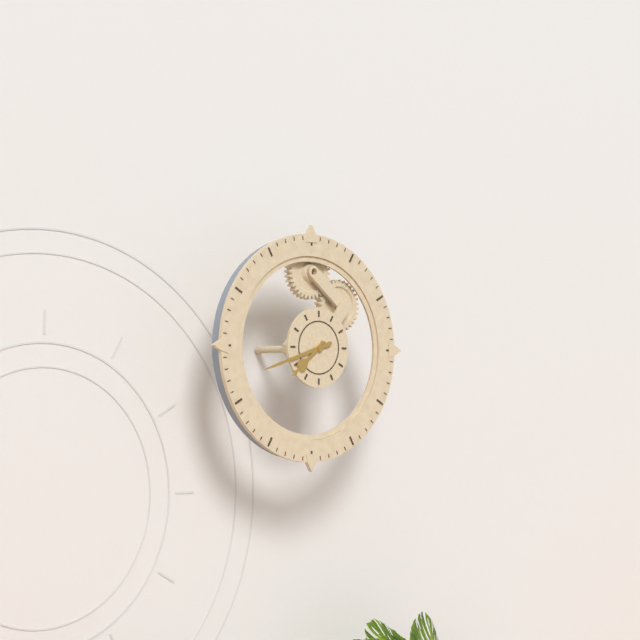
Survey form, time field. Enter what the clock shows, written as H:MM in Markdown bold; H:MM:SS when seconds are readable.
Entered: **7:42**
